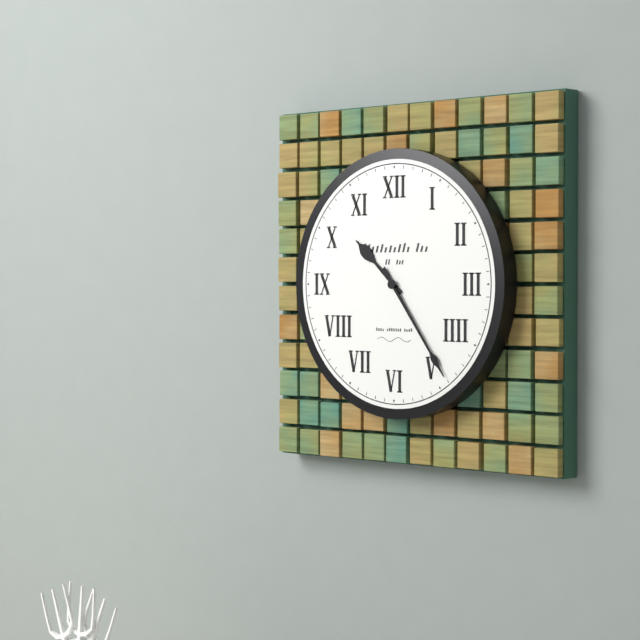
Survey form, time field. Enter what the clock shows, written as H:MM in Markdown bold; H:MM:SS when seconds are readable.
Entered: **10:24**
